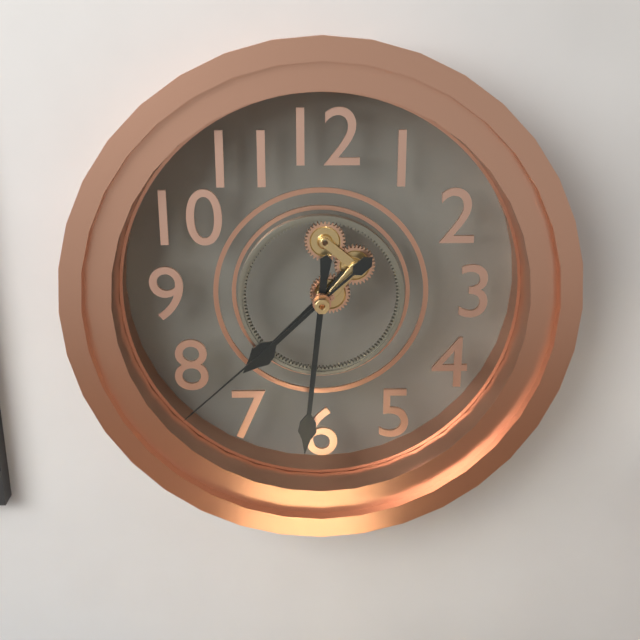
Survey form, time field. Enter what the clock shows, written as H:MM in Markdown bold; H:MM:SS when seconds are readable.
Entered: **7:31:38**
